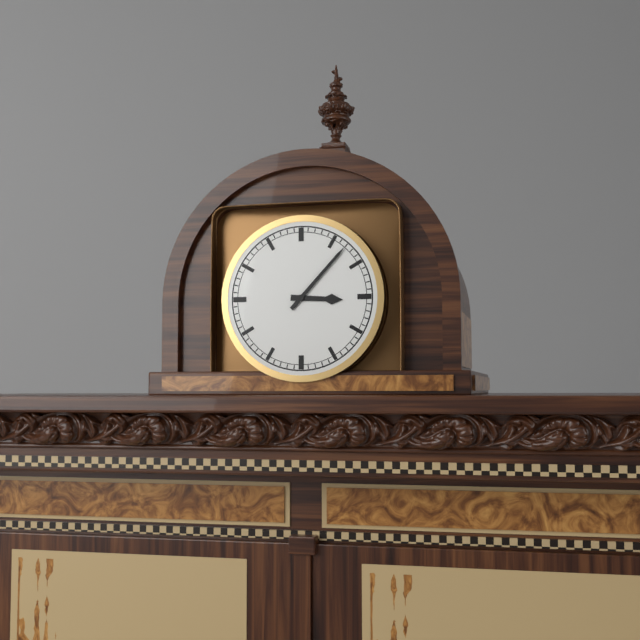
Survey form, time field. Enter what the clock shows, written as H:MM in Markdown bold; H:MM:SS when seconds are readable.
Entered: **3:07**
